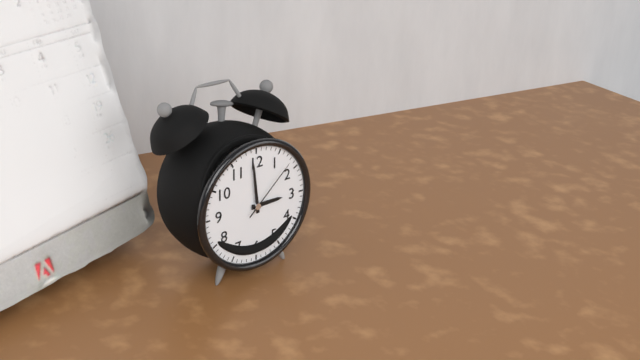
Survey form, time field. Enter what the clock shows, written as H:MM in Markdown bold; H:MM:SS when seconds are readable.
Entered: **2:59:08**
